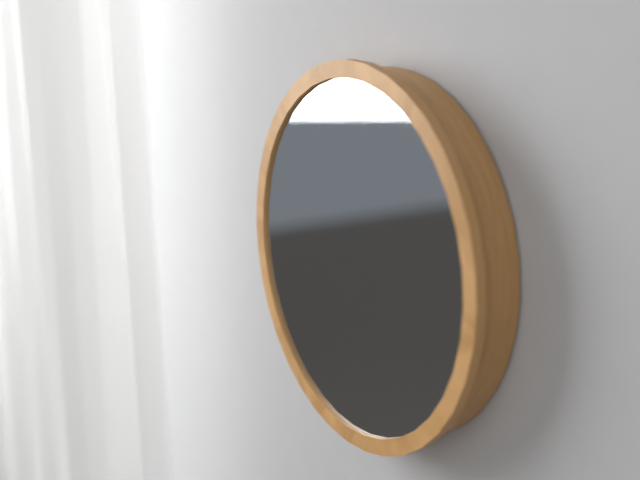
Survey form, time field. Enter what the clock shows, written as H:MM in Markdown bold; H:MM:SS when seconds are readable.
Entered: **12:12**
